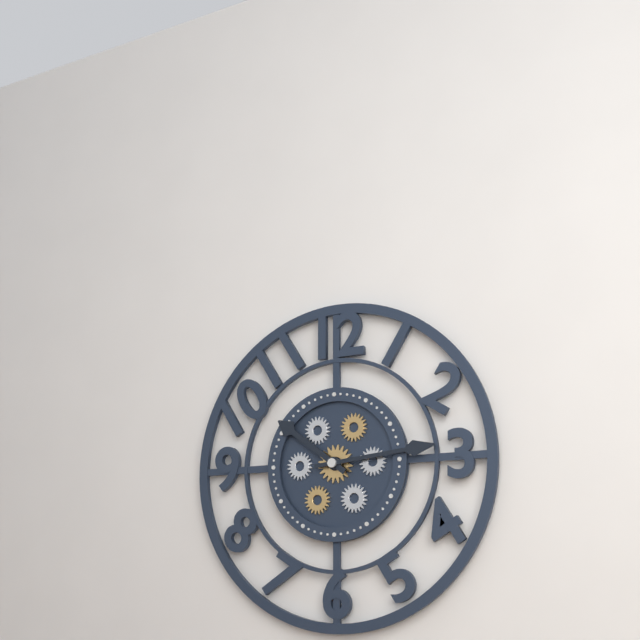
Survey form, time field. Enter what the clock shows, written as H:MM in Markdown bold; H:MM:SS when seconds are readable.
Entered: **10:14**
